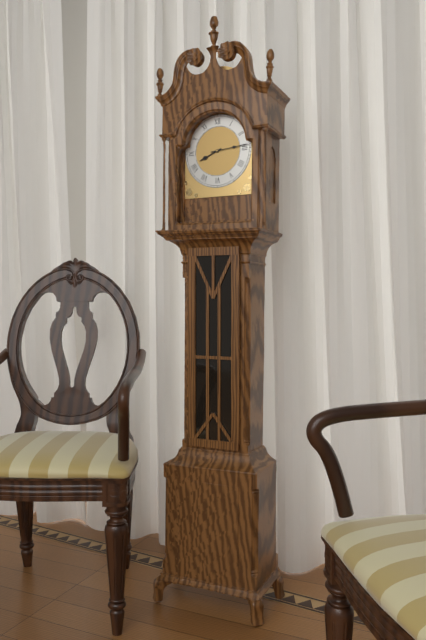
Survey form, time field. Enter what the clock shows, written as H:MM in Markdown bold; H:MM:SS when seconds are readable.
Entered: **8:14**
